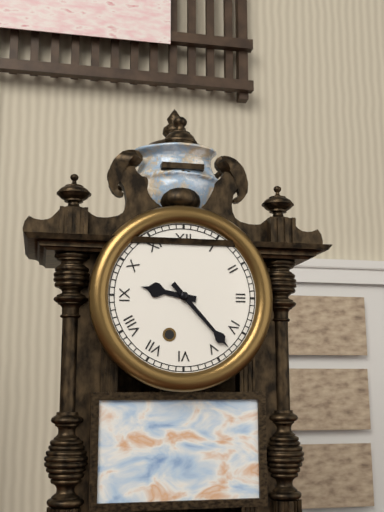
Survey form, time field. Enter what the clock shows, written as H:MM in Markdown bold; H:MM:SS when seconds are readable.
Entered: **9:23**
